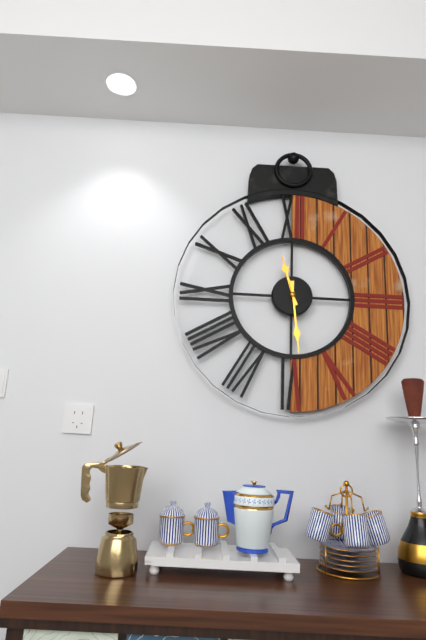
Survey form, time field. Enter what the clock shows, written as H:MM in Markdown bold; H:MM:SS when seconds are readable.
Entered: **11:29**
